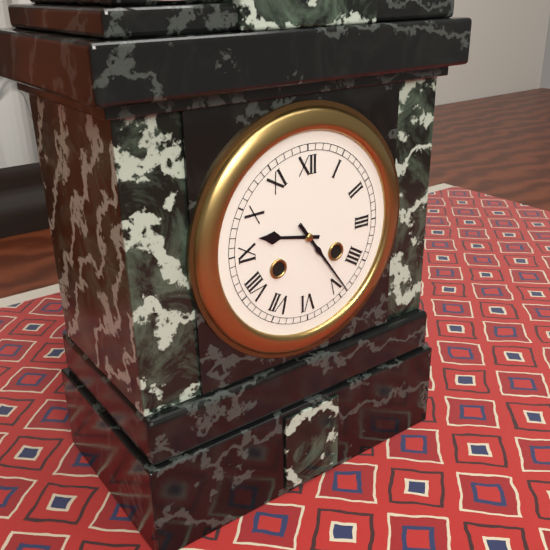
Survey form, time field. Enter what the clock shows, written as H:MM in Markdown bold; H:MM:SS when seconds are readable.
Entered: **9:24**
